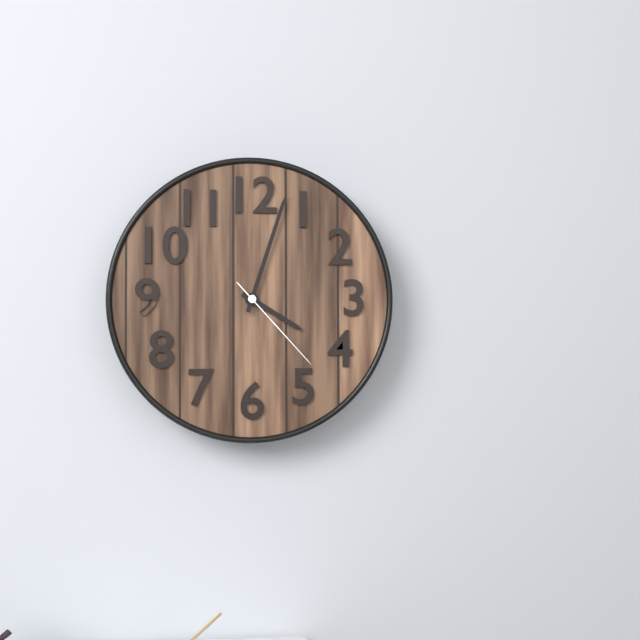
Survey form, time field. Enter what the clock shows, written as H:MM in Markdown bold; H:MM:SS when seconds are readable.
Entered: **4:03:23**
